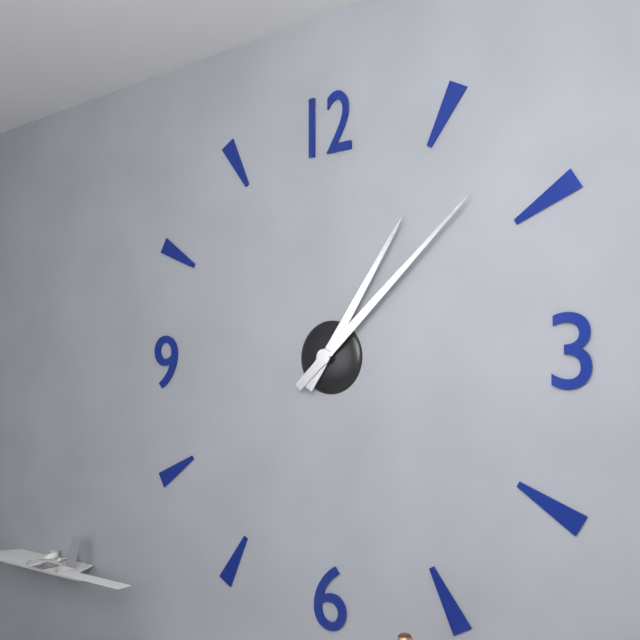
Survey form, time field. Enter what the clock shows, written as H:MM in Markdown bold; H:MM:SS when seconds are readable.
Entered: **1:08**
